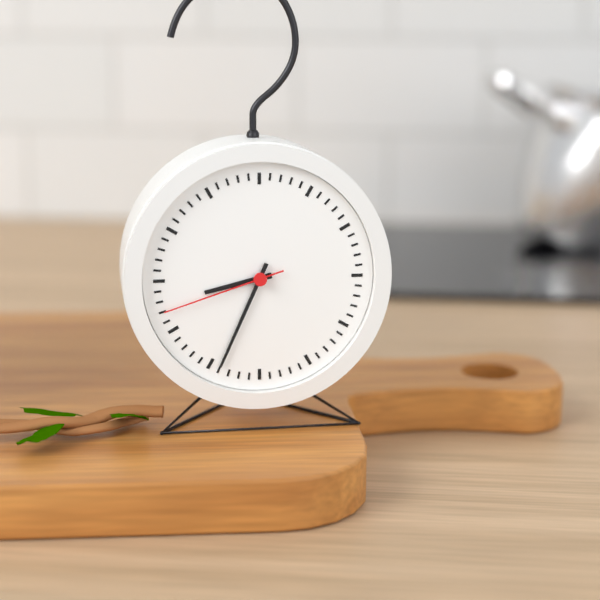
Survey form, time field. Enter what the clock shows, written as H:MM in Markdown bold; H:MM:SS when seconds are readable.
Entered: **8:34:42**
